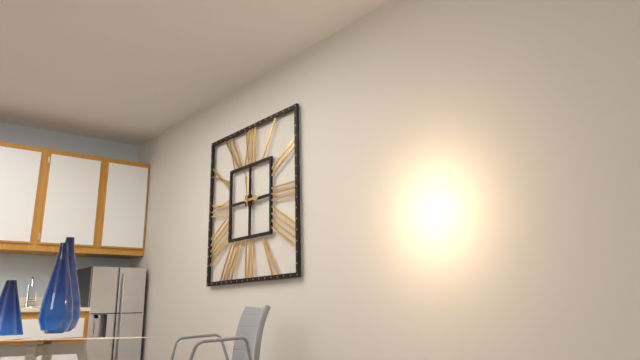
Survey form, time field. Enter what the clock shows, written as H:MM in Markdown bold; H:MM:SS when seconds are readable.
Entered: **2:59**
